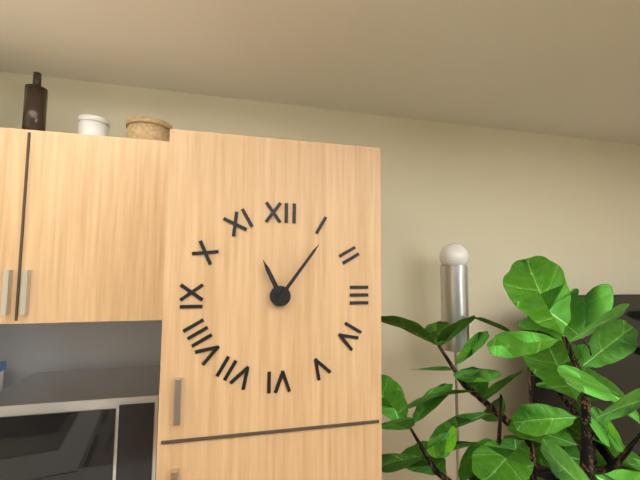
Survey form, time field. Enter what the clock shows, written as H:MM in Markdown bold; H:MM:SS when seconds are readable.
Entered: **11:06**
